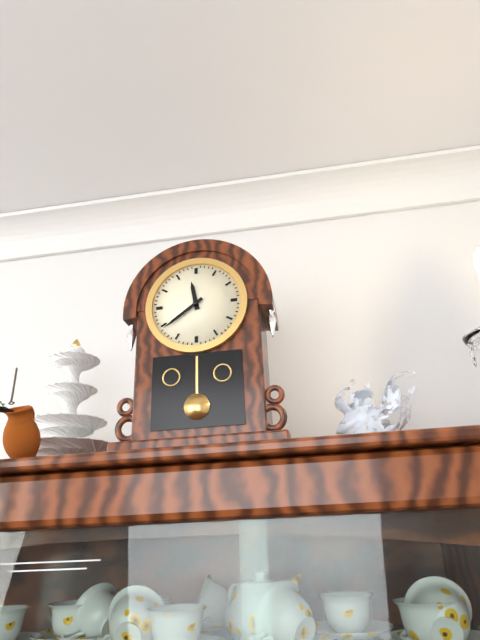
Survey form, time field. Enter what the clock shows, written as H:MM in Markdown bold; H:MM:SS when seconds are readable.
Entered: **11:39**
